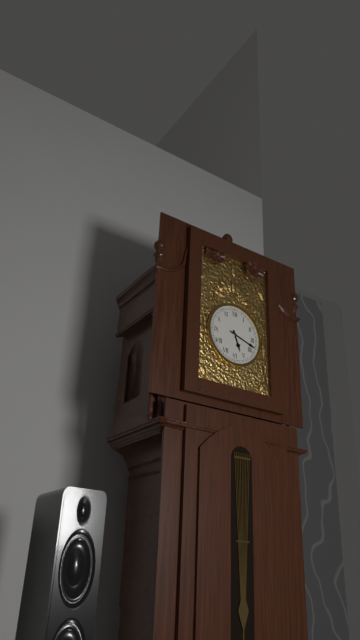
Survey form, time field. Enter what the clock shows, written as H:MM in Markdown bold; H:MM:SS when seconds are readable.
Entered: **5:18**
